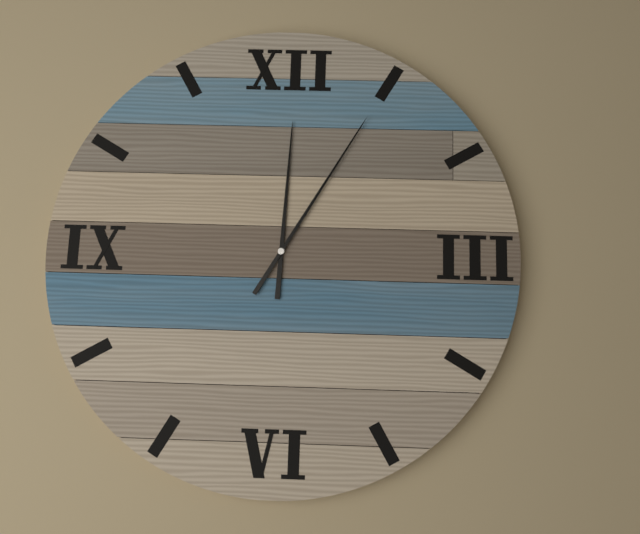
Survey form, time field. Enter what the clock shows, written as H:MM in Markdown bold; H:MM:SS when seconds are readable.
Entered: **12:05**
